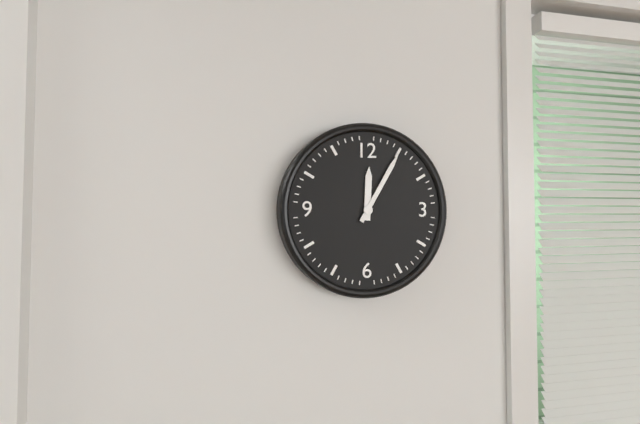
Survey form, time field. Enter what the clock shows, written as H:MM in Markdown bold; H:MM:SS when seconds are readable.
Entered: **12:05**
